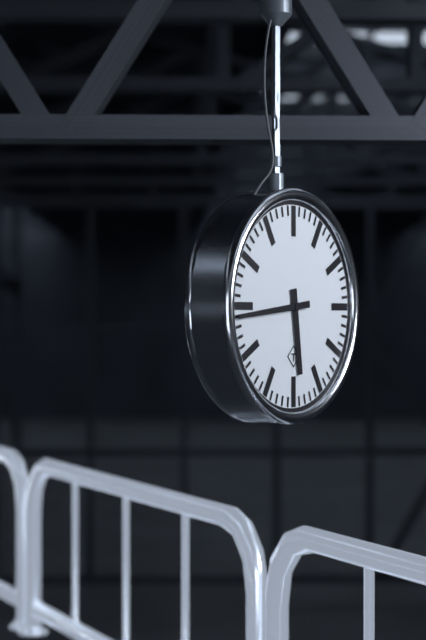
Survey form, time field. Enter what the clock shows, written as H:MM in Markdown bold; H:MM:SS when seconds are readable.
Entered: **5:44**
